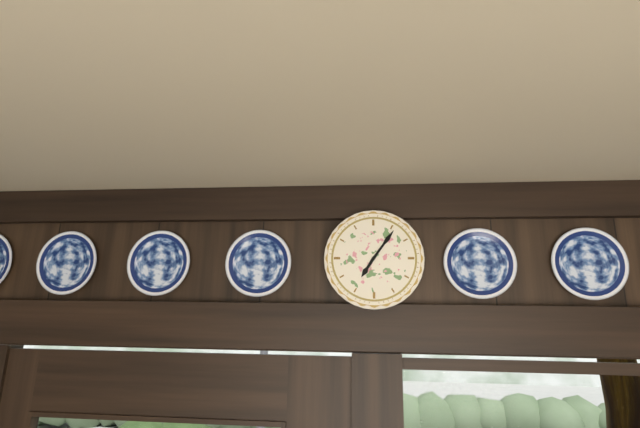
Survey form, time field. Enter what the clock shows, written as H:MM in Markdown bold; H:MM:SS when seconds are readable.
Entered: **7:06**
